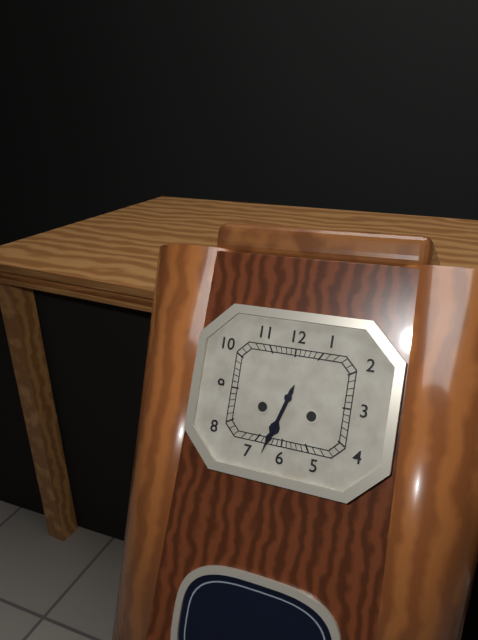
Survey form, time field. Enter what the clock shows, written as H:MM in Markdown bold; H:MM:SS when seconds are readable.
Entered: **6:33**
